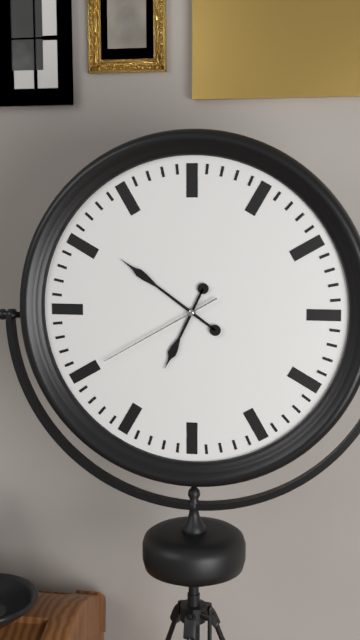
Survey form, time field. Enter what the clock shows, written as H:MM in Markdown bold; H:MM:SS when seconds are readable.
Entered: **6:51:40**
